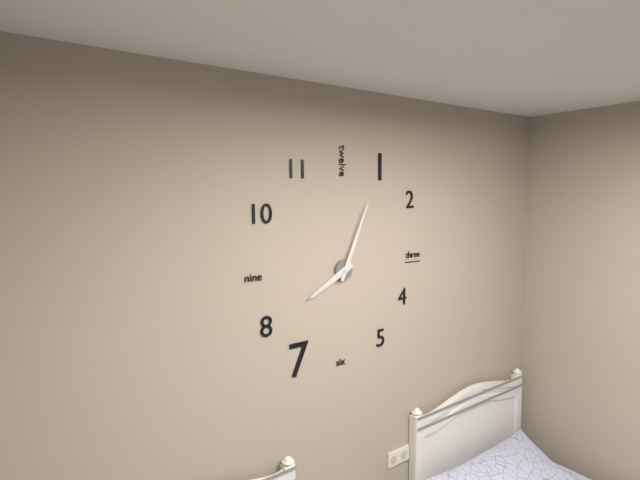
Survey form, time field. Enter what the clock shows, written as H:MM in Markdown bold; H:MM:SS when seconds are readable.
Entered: **8:04**
